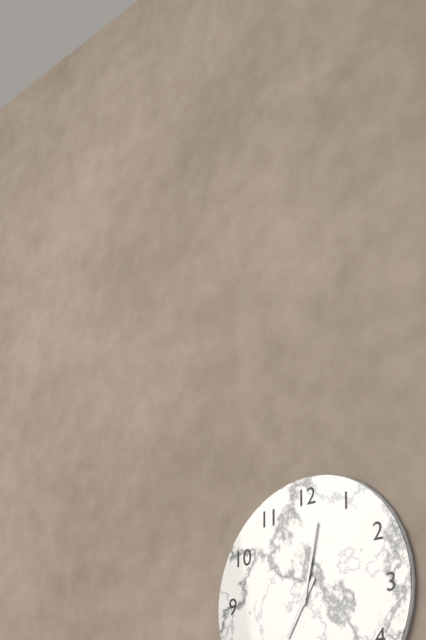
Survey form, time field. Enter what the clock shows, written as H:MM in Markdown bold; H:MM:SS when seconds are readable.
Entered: **7:02**
